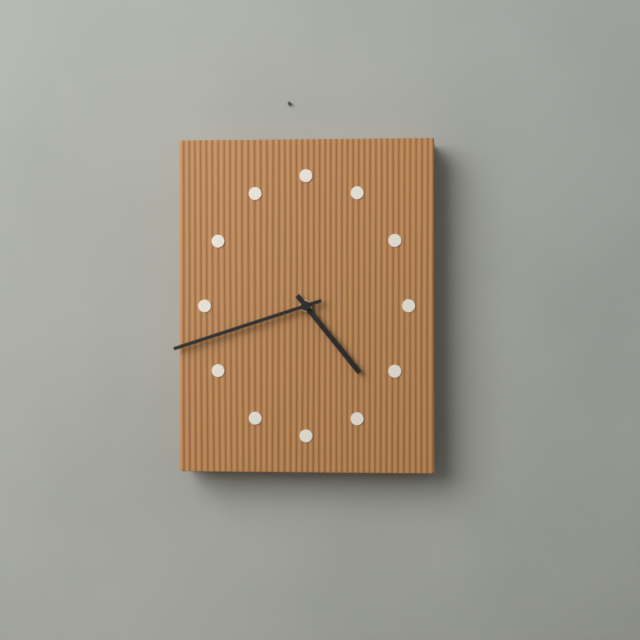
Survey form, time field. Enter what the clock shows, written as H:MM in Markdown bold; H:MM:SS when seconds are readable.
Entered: **4:42**
